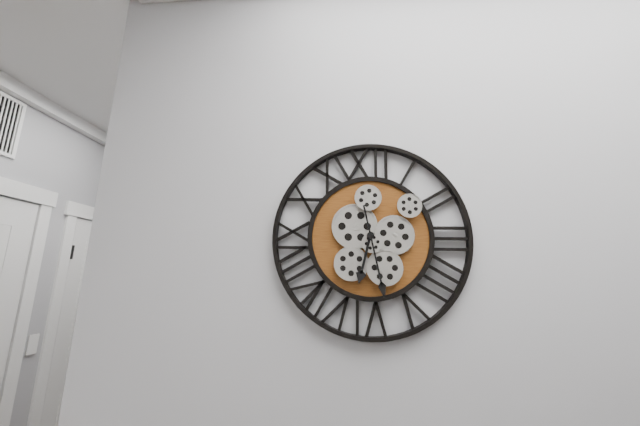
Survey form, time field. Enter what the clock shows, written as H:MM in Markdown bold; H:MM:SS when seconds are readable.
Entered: **6:28**
